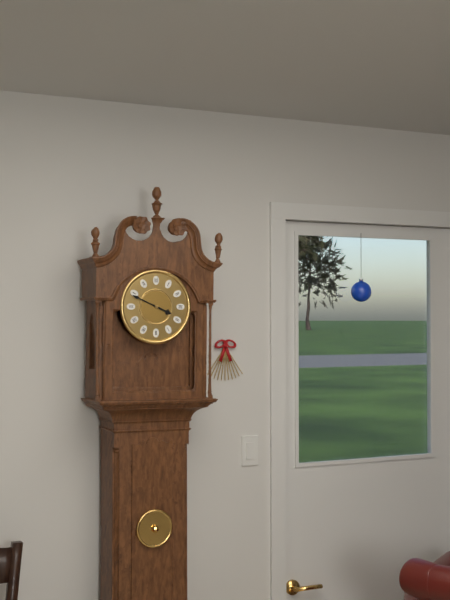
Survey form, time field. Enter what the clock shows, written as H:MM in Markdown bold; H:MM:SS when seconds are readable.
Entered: **3:49**
